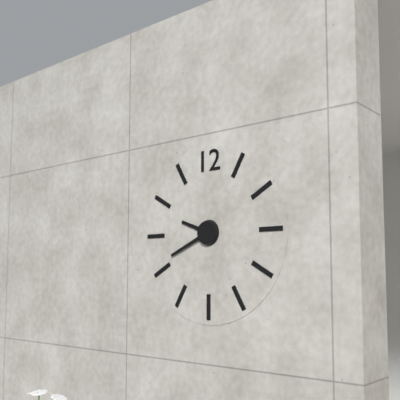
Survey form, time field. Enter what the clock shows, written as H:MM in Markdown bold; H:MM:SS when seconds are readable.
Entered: **9:41**
